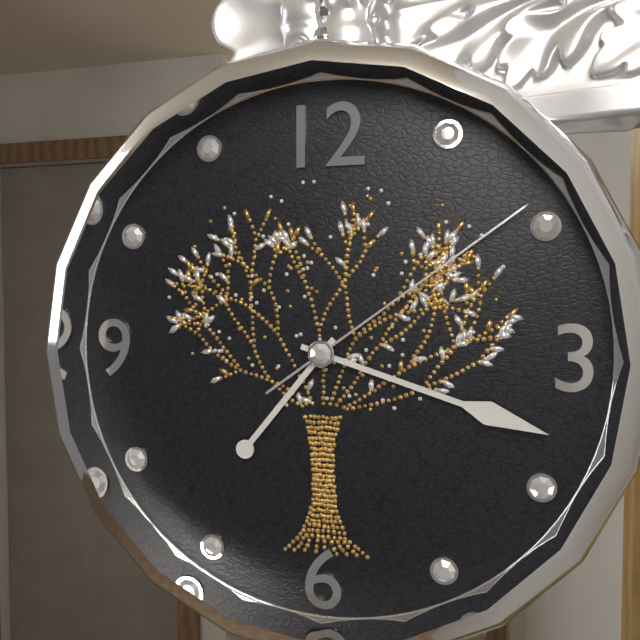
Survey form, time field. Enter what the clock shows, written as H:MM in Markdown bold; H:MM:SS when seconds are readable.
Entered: **7:18:09**
